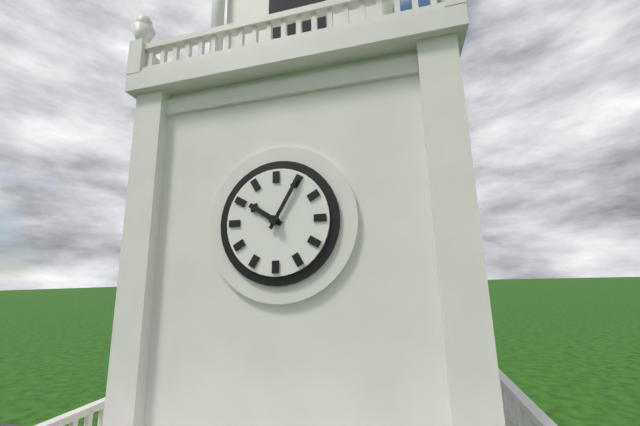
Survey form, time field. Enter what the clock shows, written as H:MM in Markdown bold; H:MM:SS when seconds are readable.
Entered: **10:05**
